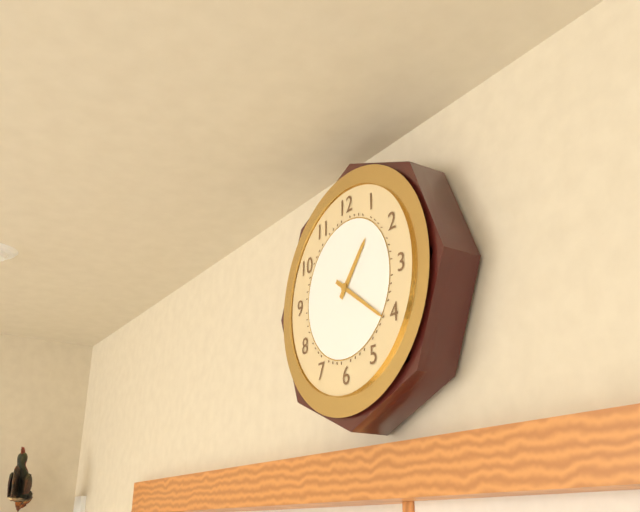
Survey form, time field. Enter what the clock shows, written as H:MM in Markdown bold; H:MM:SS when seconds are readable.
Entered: **1:21**
